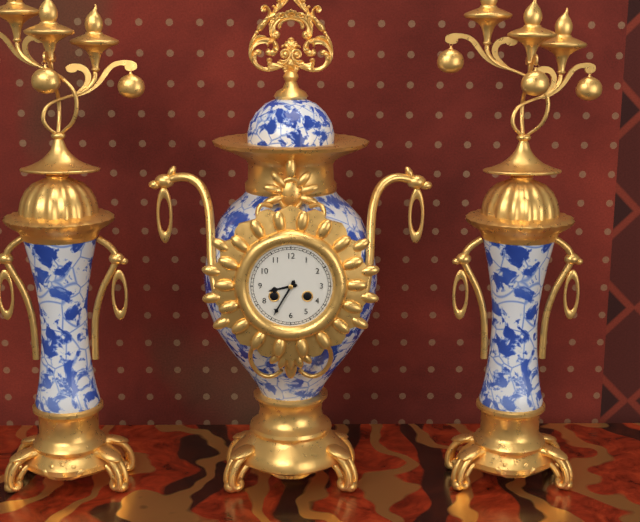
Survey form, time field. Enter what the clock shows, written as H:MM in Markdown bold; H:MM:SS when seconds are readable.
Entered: **8:35**
